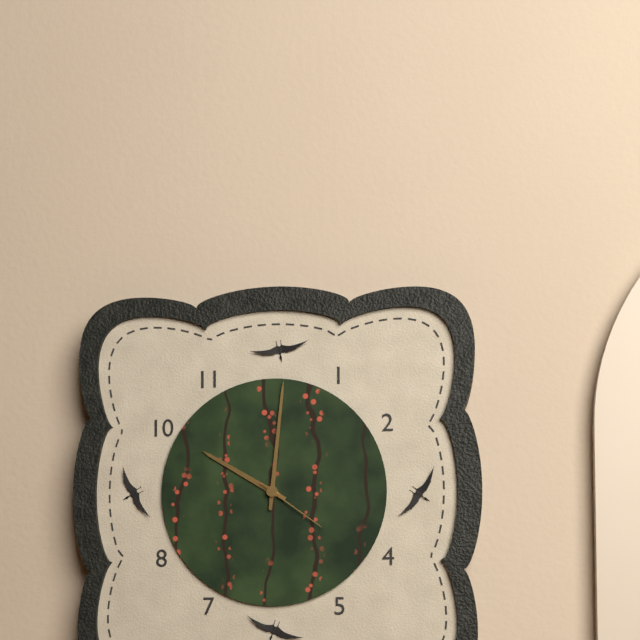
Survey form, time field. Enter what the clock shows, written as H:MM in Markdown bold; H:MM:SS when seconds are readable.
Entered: **10:01:21**
